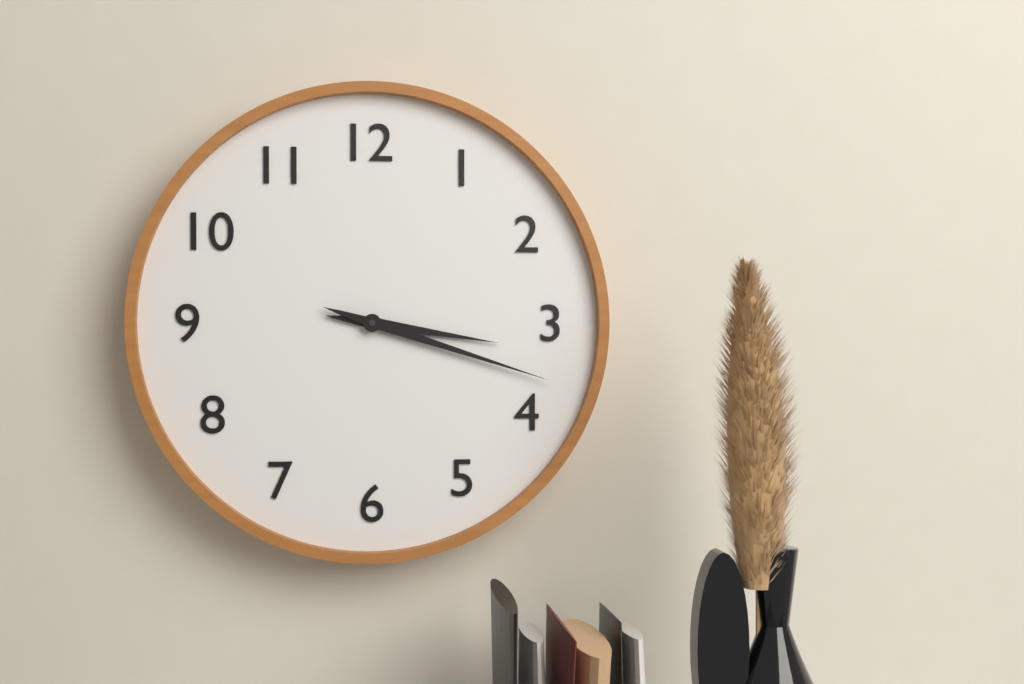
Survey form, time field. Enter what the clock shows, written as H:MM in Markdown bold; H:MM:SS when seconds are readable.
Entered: **3:18**
